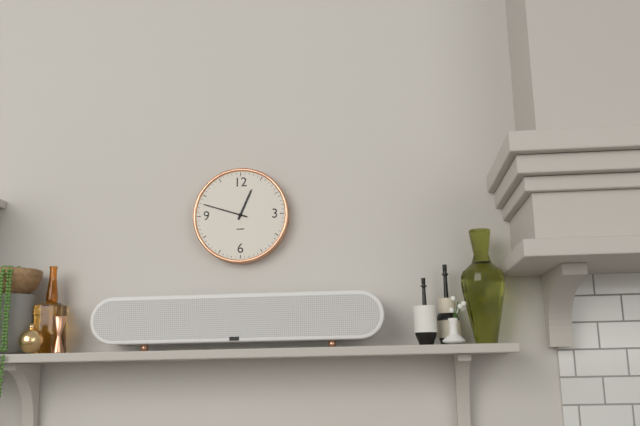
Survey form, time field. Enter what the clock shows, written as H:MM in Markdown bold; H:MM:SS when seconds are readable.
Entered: **12:48**
